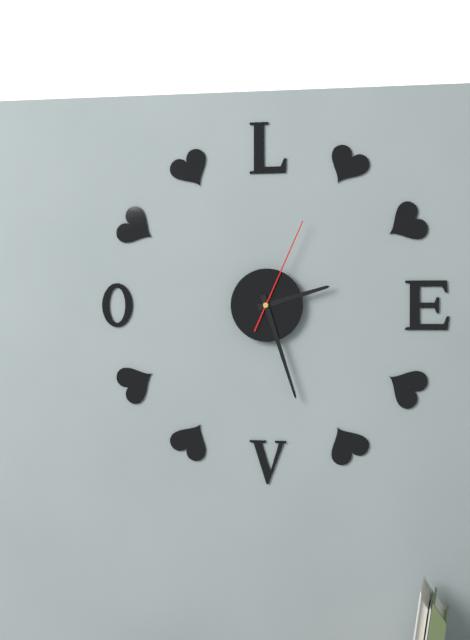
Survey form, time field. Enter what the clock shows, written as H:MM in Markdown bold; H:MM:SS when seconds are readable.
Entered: **2:27:04**
